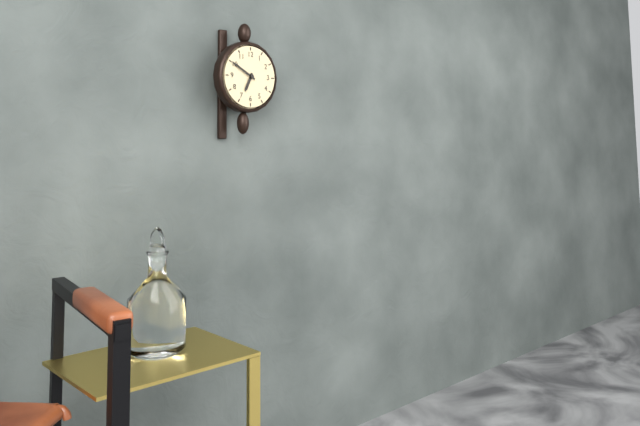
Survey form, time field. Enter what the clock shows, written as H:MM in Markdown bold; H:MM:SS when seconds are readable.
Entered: **6:50**
